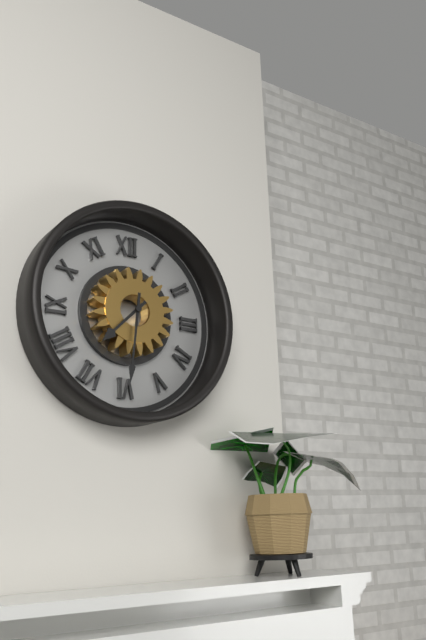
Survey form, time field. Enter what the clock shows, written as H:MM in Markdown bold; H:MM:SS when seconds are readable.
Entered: **7:31**
